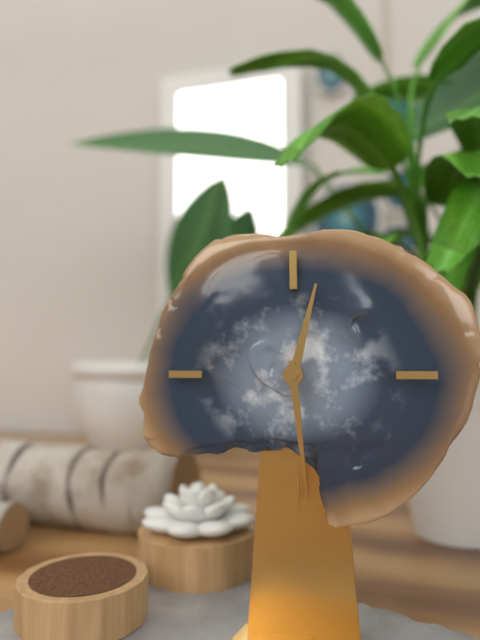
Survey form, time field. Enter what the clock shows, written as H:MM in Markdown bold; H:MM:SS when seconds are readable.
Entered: **12:29**
